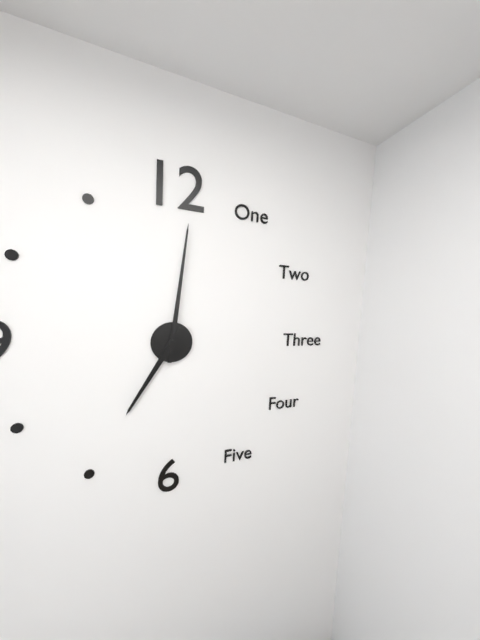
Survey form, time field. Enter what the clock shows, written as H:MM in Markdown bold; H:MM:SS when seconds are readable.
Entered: **7:01**
